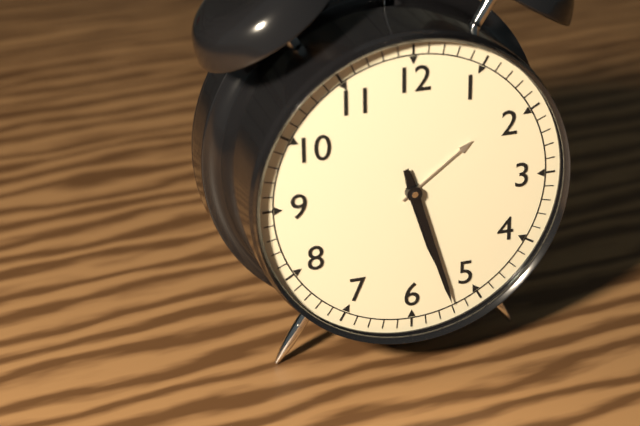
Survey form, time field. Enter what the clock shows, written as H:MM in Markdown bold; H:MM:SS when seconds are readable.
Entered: **5:27**
